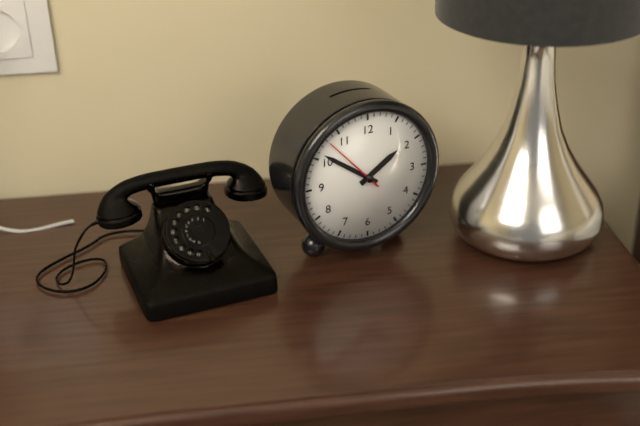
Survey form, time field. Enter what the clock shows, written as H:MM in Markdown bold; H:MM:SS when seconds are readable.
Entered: **1:51:53**
